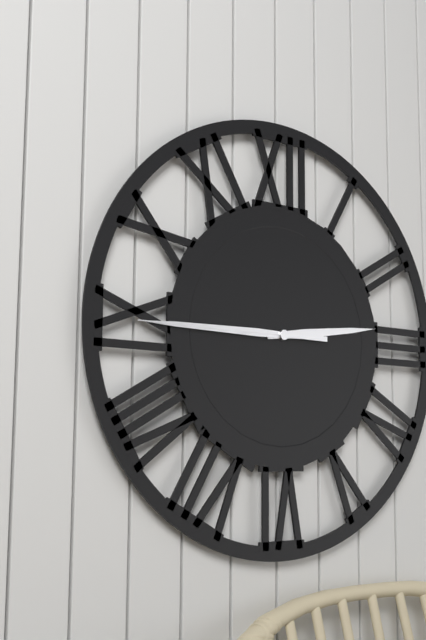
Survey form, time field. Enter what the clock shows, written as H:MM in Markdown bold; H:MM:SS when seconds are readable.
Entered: **2:45:45**
